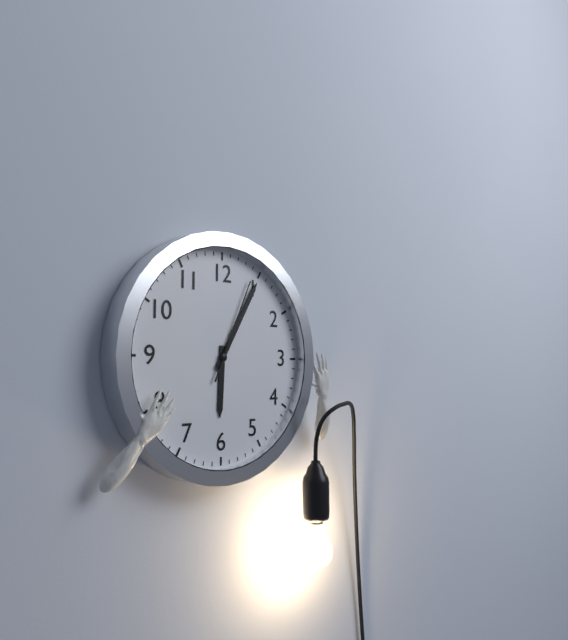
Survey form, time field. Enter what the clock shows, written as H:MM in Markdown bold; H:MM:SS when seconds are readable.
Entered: **6:05:04**
